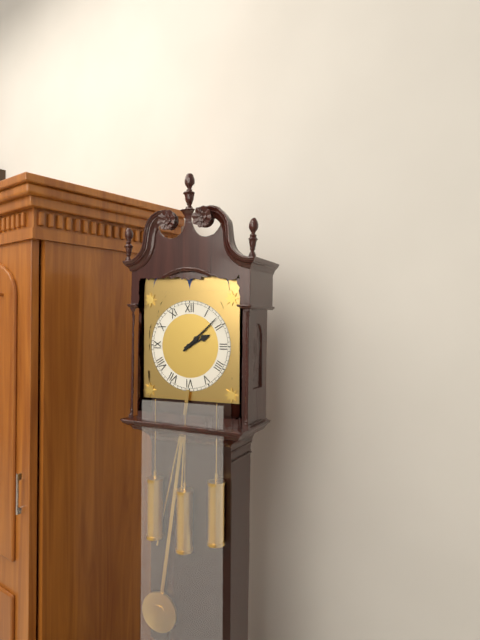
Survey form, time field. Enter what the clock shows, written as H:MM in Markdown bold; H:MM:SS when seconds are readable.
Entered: **2:08**
